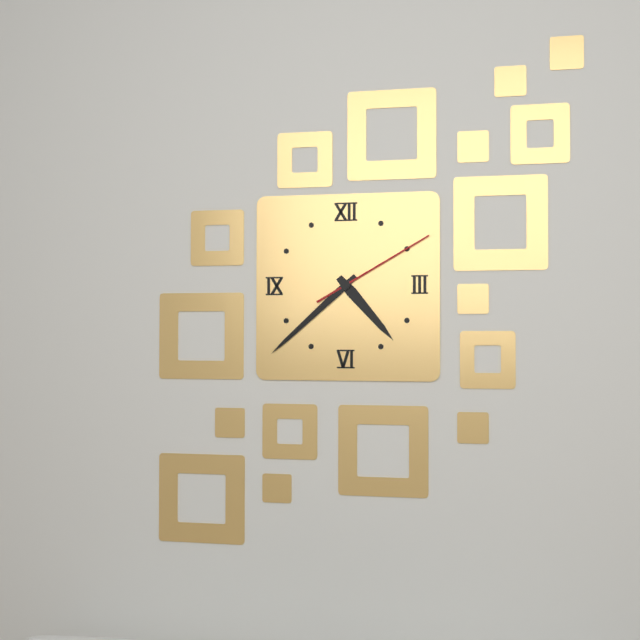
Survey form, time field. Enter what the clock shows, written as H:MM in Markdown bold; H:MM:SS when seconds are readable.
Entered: **4:38:10**
